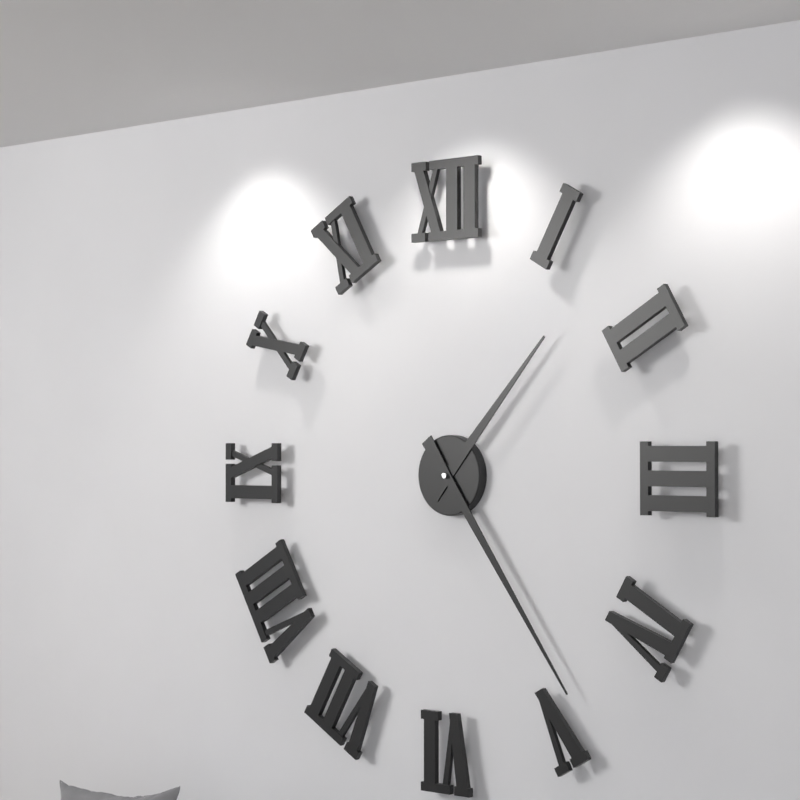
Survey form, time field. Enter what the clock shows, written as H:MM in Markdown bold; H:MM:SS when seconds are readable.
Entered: **1:24**
